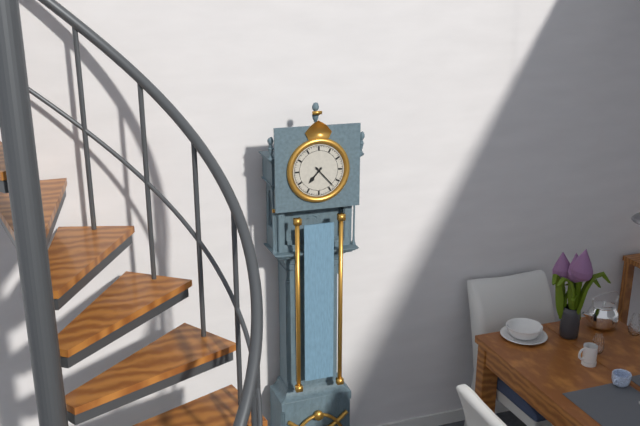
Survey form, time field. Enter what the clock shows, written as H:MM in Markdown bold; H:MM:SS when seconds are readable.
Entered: **7:23**
